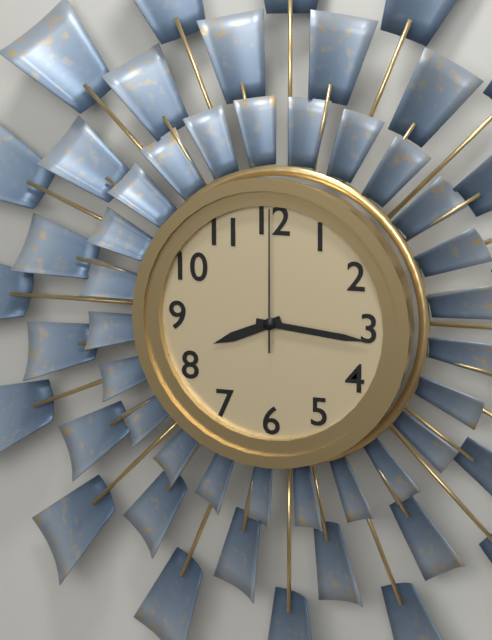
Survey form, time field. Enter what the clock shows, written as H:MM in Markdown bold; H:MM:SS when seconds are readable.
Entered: **8:16:00**
